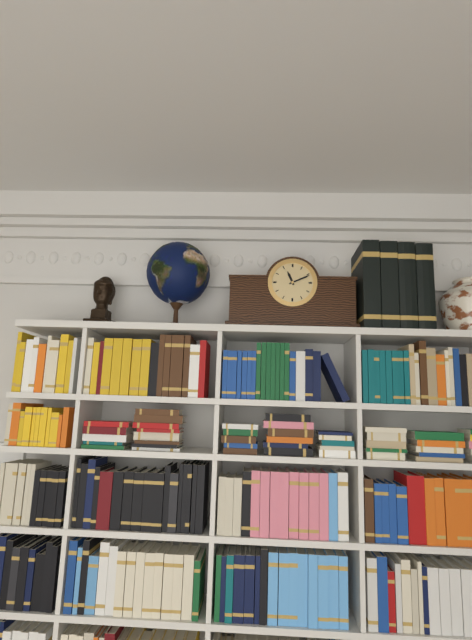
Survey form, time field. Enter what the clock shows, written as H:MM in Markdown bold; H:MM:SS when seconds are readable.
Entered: **11:11**
